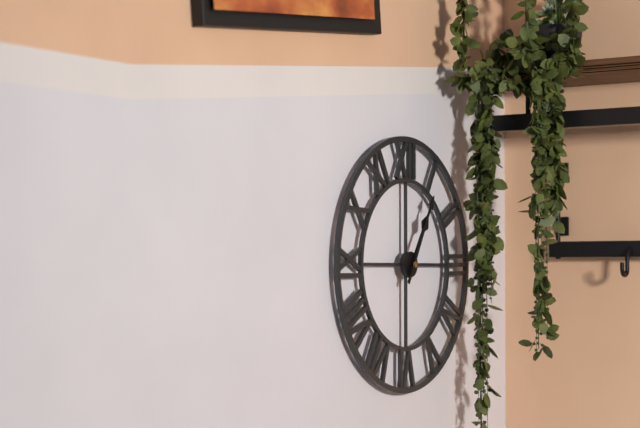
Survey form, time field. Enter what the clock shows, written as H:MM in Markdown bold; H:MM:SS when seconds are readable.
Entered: **1:05**
